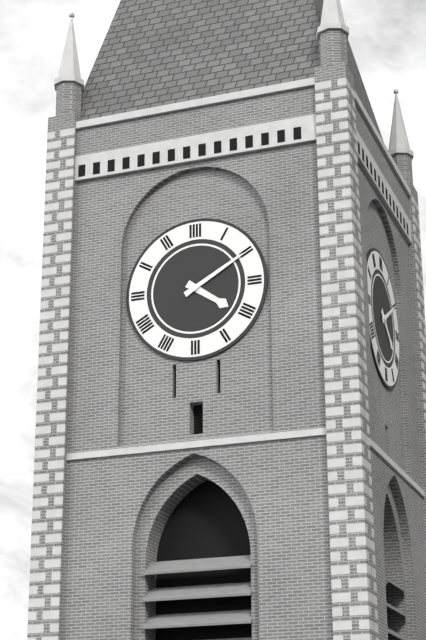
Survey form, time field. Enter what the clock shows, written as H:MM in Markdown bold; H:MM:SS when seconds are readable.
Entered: **4:10**
